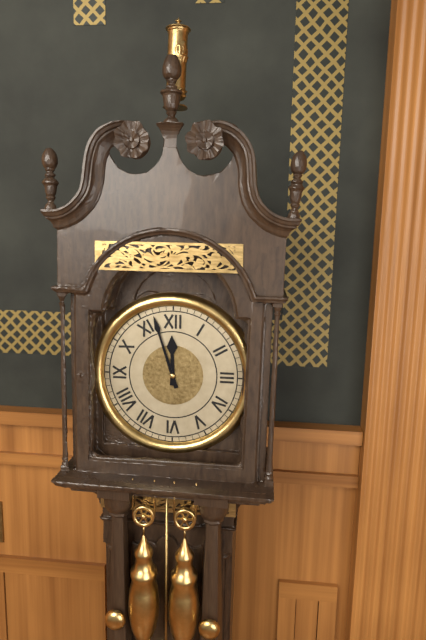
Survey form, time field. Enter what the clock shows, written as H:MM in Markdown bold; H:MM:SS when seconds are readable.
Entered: **11:57**
